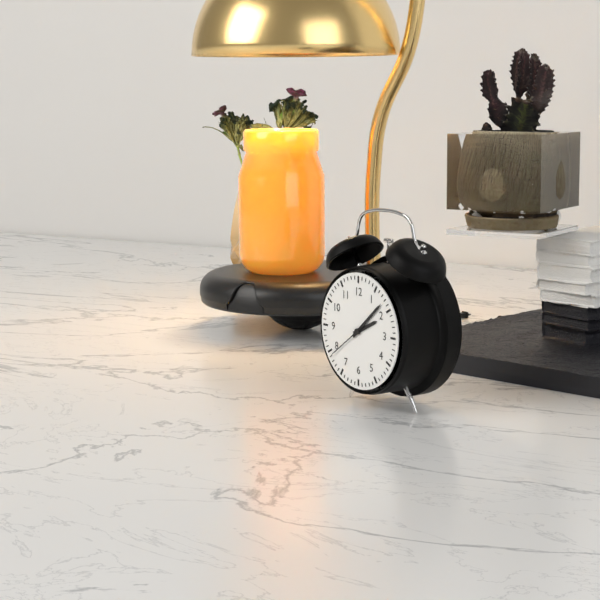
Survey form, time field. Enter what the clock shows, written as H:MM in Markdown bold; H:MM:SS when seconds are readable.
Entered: **2:08**
